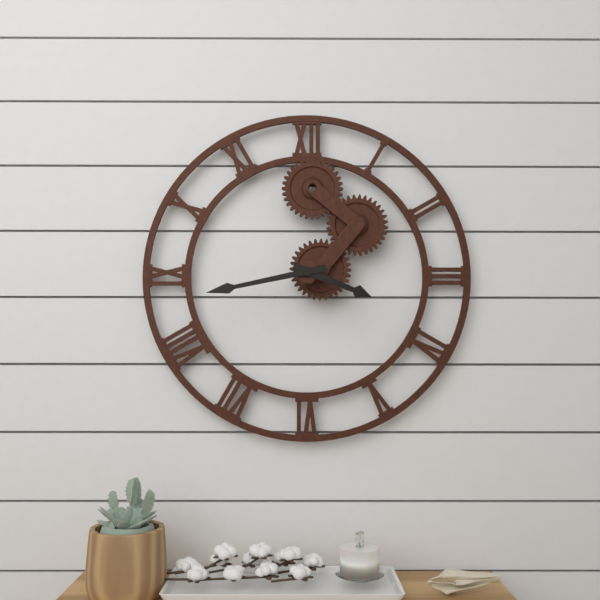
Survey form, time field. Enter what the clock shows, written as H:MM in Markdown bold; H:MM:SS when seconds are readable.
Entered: **3:43**
